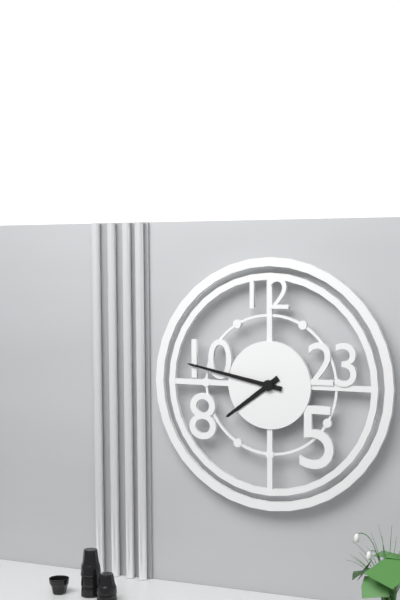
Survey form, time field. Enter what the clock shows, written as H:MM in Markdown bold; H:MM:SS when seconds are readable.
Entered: **7:47**
